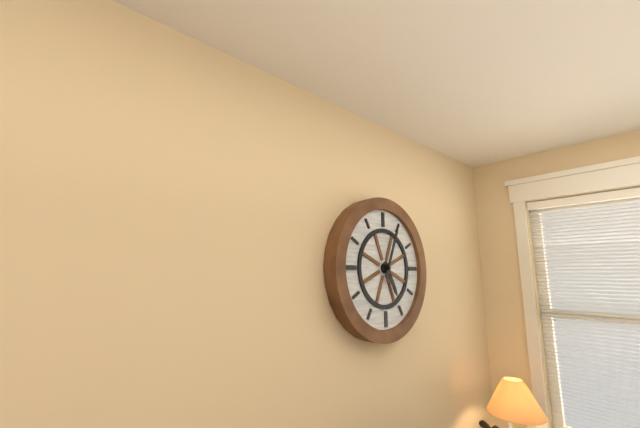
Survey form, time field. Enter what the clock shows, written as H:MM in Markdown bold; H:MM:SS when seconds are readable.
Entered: **5:04**
